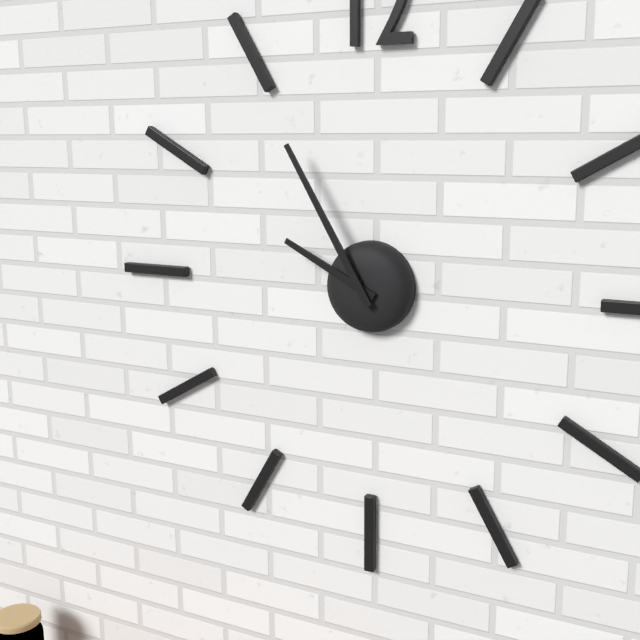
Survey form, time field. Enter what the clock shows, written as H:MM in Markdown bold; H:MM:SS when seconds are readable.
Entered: **9:55**
